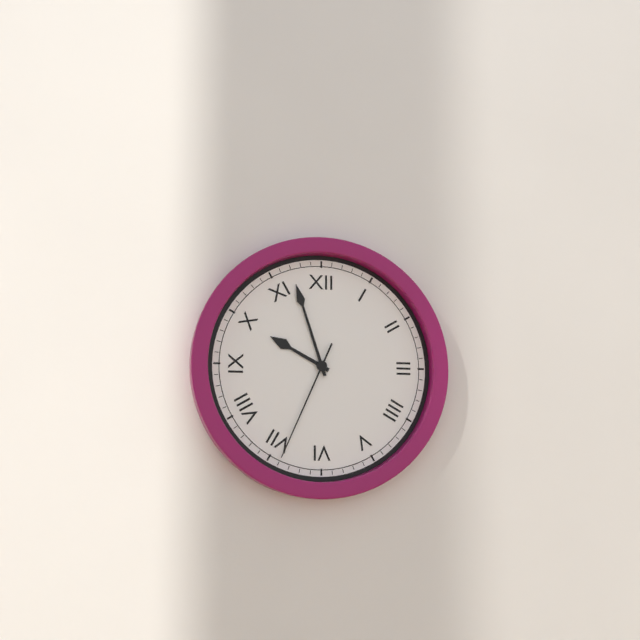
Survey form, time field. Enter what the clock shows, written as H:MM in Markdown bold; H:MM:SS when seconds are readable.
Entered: **9:57:34**
